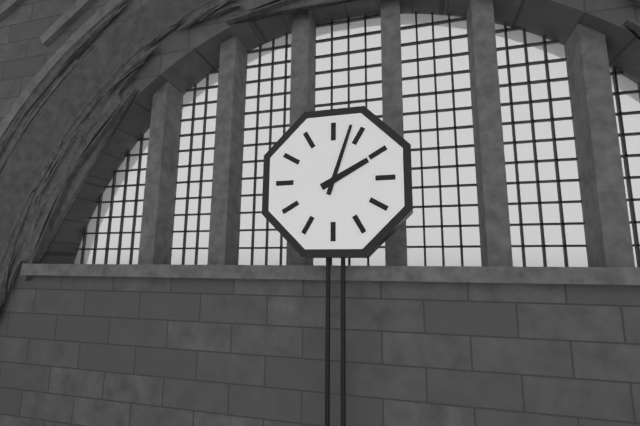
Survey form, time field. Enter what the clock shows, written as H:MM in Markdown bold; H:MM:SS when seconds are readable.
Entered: **2:03**
